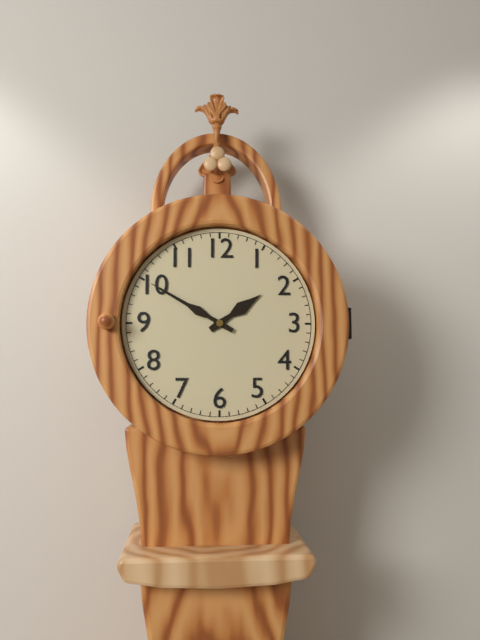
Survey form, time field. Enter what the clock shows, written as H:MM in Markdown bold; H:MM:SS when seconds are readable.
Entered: **1:50**
